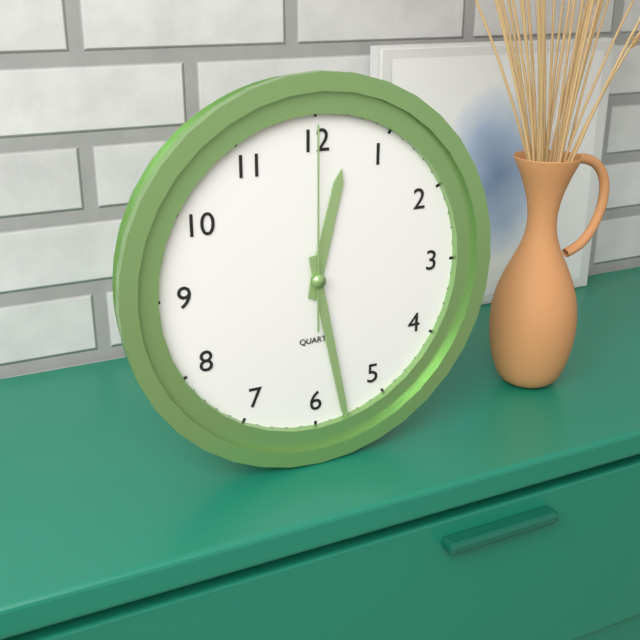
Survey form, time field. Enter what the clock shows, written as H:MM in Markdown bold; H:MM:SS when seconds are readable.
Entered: **12:28:00**
